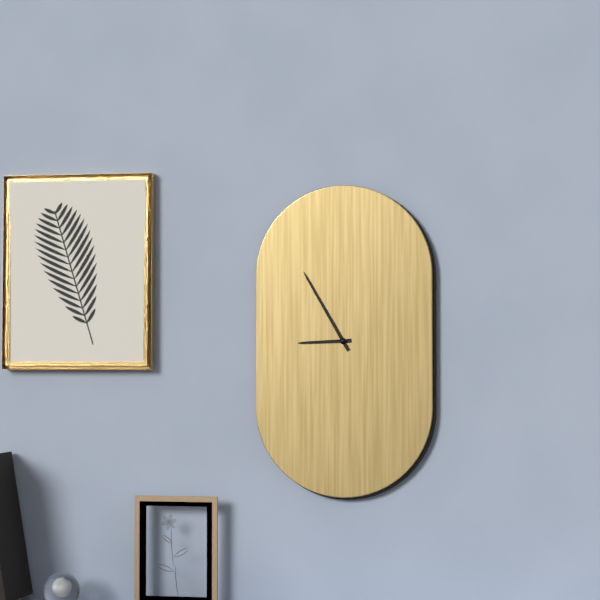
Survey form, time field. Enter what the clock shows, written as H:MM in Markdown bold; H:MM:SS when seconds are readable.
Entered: **8:55**
